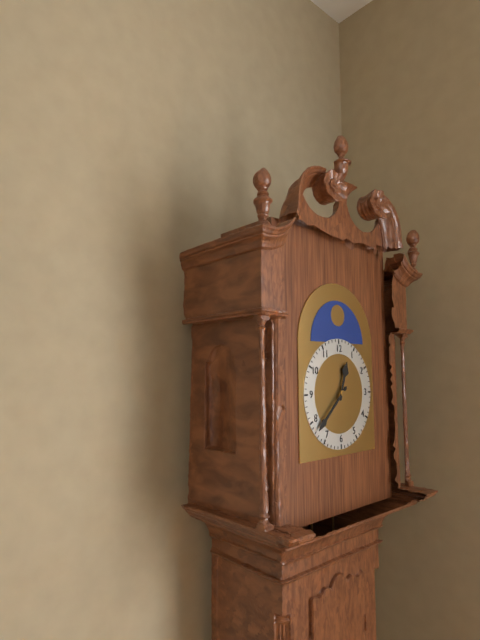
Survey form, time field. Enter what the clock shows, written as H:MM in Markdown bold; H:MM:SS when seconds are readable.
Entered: **12:38**
